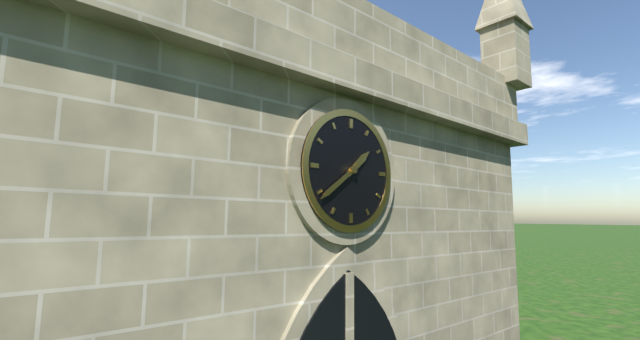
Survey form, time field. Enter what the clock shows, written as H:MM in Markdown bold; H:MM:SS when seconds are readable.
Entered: **1:39**
